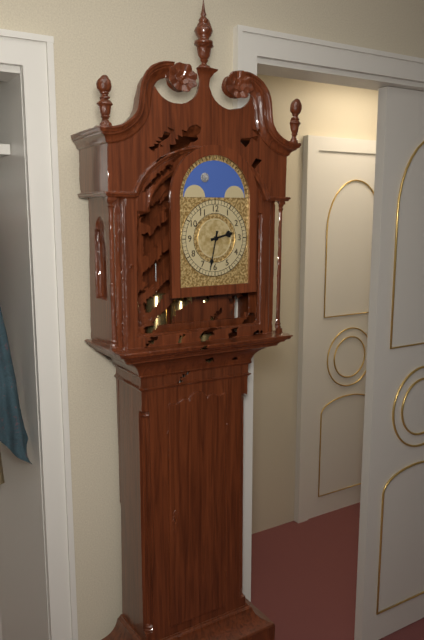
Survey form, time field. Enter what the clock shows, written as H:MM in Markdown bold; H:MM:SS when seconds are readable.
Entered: **2:32**
